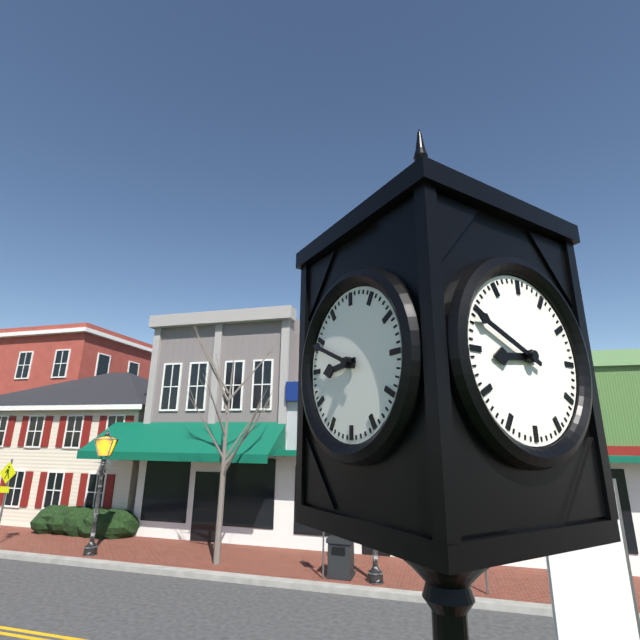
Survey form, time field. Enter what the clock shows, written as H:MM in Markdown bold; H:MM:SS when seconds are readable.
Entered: **8:49**
